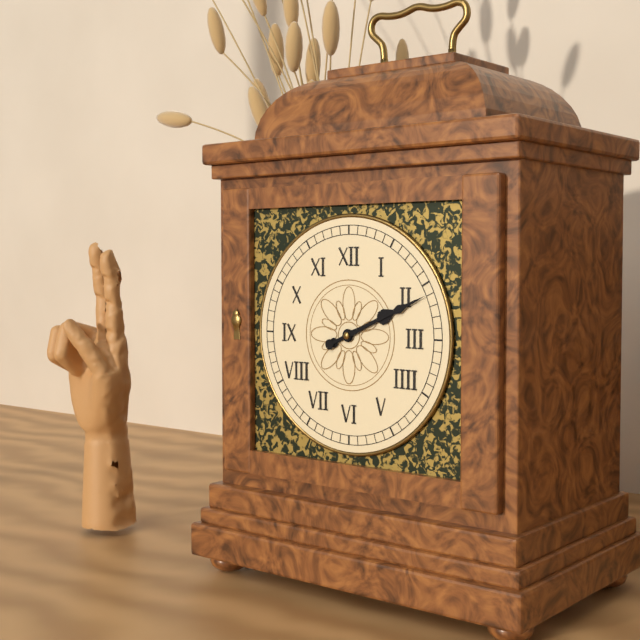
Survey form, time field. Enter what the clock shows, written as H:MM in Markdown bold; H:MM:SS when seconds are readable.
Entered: **2:11**
